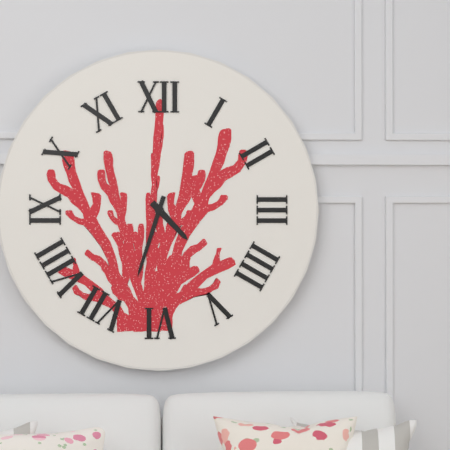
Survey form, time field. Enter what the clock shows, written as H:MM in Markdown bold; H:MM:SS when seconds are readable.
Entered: **4:33**
